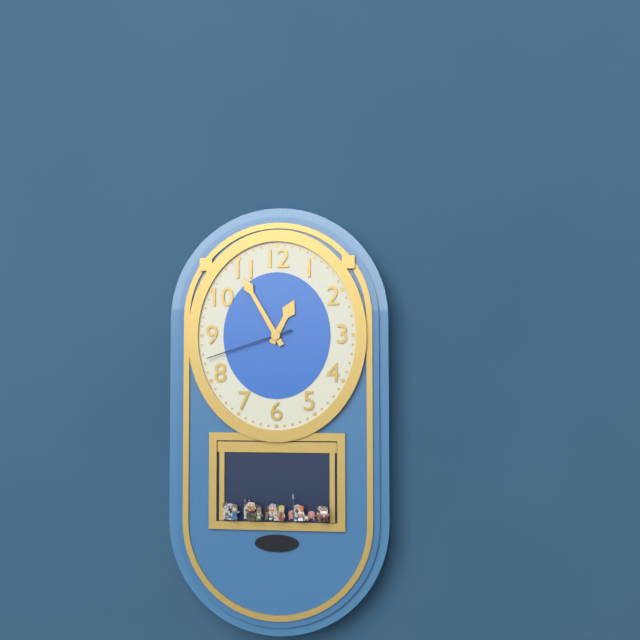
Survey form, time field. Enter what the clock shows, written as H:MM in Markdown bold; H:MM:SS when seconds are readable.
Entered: **12:55:42**
